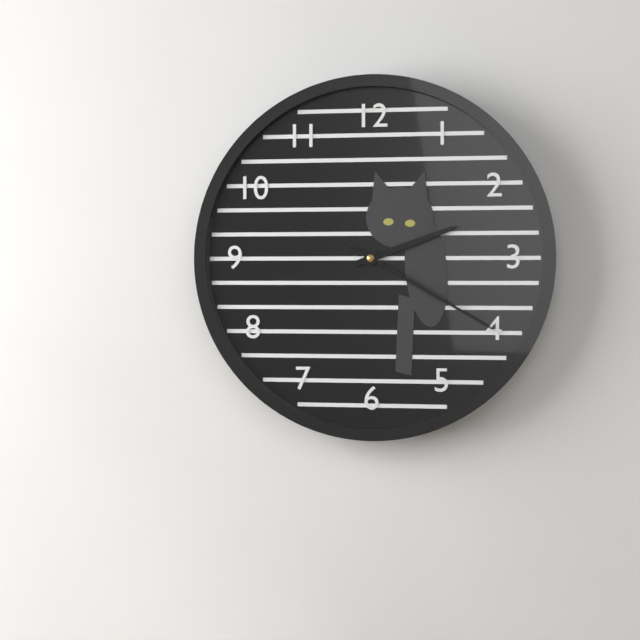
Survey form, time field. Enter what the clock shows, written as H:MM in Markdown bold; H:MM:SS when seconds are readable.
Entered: **2:20**
